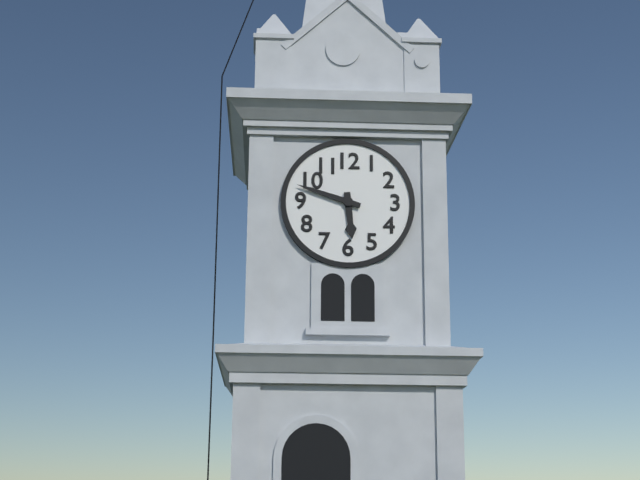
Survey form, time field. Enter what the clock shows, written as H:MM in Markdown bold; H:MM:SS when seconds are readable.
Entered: **5:48**
